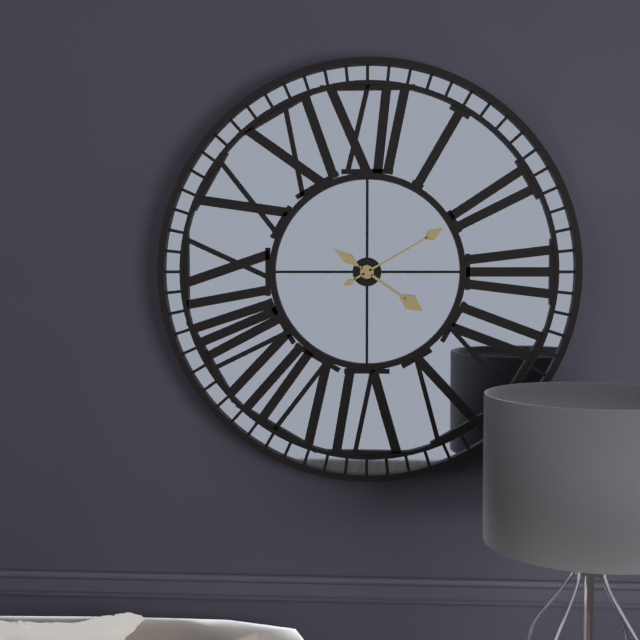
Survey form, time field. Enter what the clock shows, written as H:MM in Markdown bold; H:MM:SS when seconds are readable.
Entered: **4:10**
